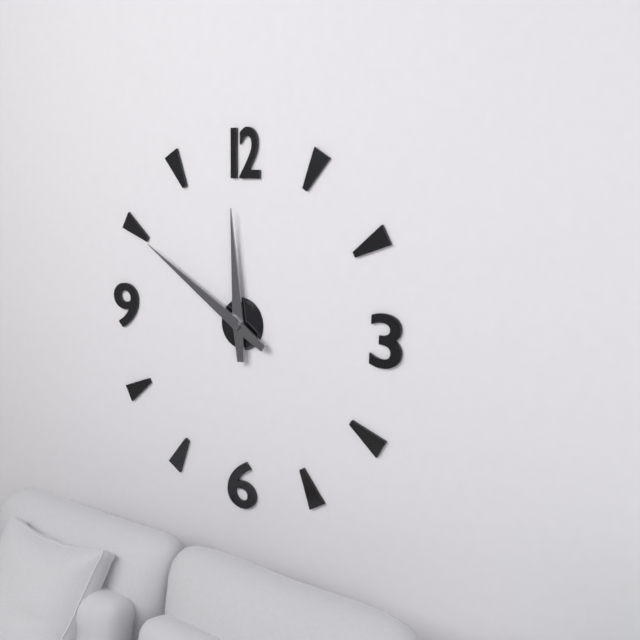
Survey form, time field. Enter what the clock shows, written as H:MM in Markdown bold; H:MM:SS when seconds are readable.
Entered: **11:50**
